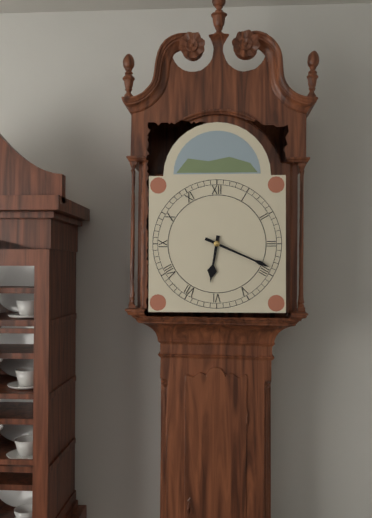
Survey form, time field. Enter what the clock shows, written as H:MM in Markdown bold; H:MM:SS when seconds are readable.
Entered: **6:19**
